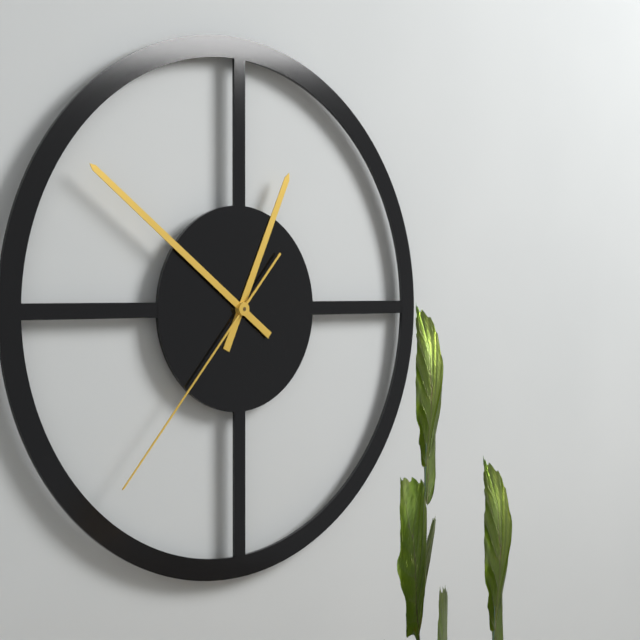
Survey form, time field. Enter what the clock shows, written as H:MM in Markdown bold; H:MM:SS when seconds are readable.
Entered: **12:51:37**
